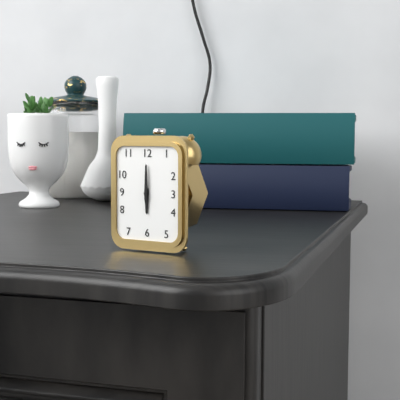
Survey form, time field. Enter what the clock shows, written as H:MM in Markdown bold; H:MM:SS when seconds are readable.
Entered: **6:00**
